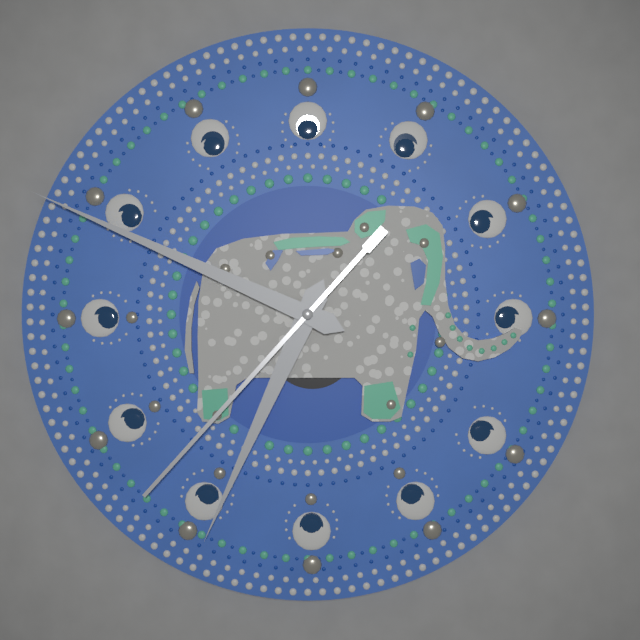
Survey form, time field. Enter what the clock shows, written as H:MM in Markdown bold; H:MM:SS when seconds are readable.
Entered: **6:49:37**
